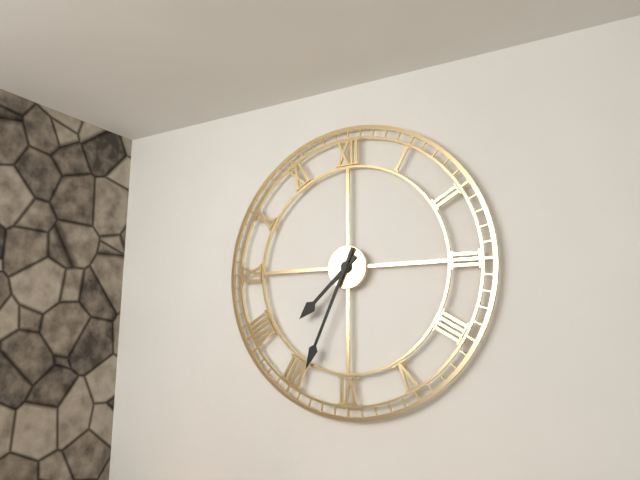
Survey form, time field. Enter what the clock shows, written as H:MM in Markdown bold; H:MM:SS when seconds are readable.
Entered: **7:34**
